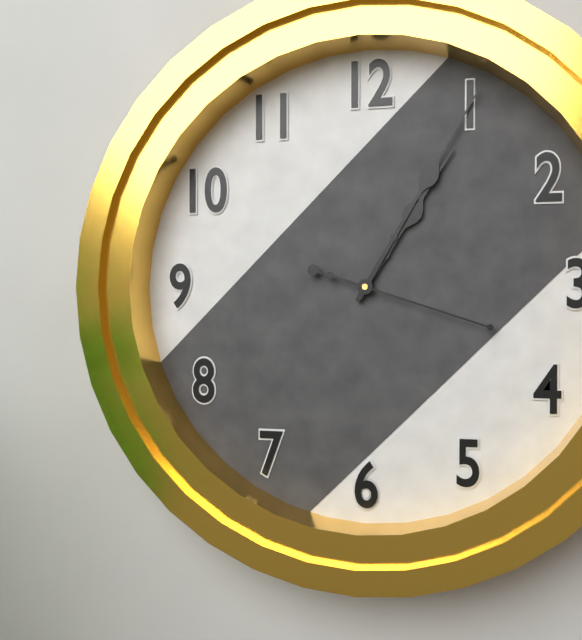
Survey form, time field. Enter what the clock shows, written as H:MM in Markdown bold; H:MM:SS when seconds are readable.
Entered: **1:05:18**
